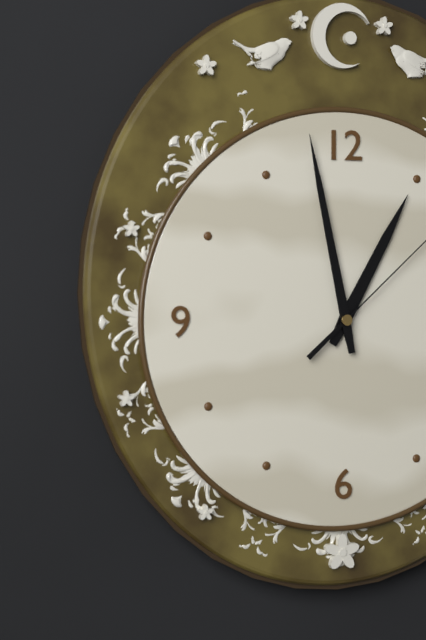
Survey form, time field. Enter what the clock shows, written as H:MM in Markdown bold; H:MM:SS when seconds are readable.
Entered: **12:58**
